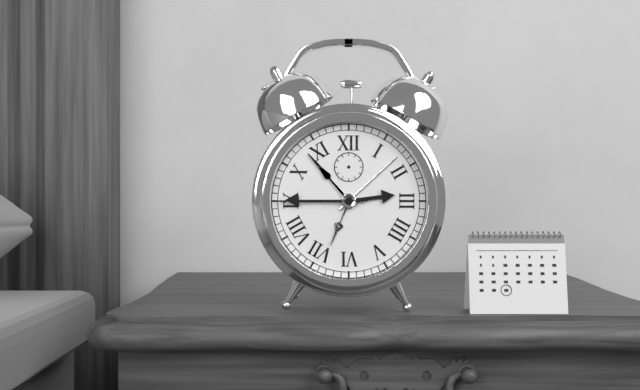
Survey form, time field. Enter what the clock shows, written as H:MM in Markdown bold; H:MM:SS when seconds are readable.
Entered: **2:45:45**
